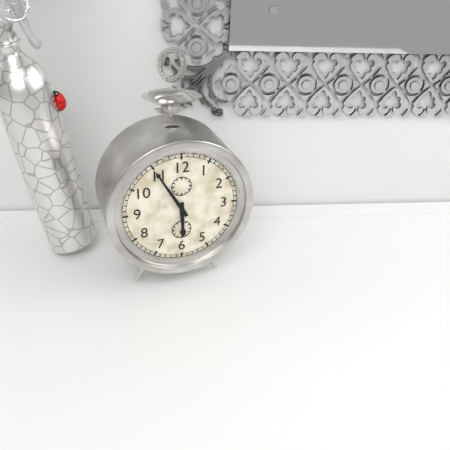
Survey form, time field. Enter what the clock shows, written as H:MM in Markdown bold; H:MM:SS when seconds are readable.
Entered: **5:55**
